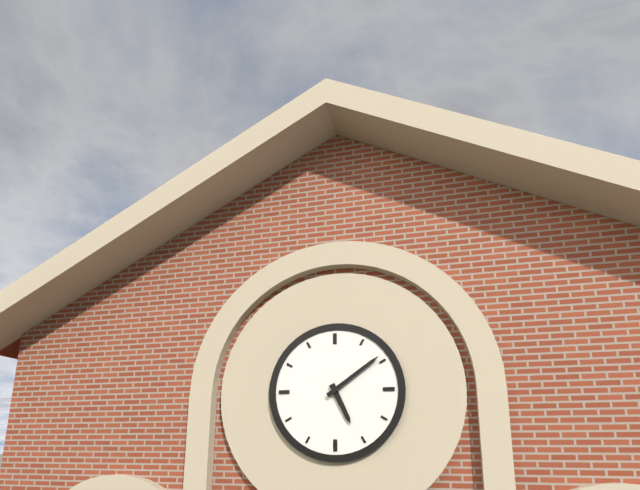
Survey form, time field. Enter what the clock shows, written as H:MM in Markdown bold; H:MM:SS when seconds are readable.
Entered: **5:09**
